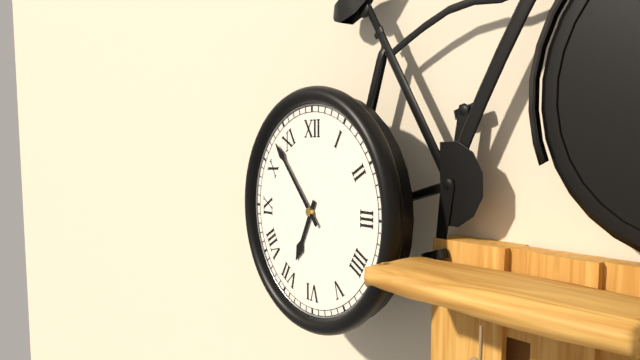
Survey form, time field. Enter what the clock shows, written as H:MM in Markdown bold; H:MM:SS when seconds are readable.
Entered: **6:53**
